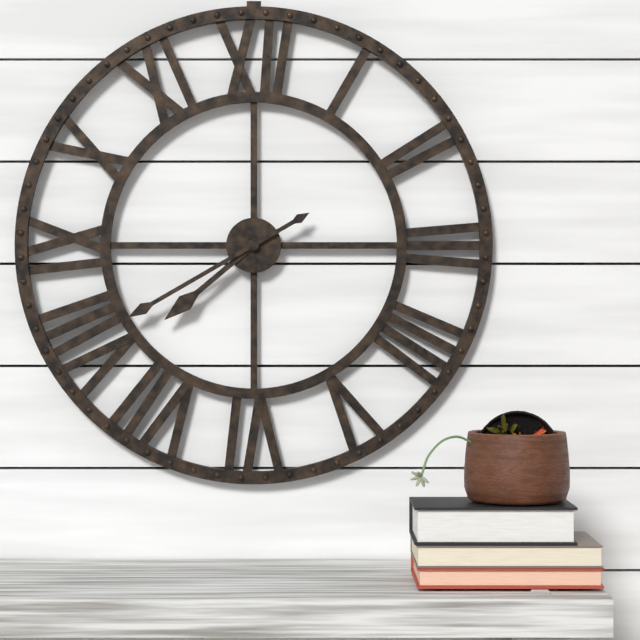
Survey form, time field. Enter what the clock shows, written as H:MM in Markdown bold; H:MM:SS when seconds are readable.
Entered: **7:40**
